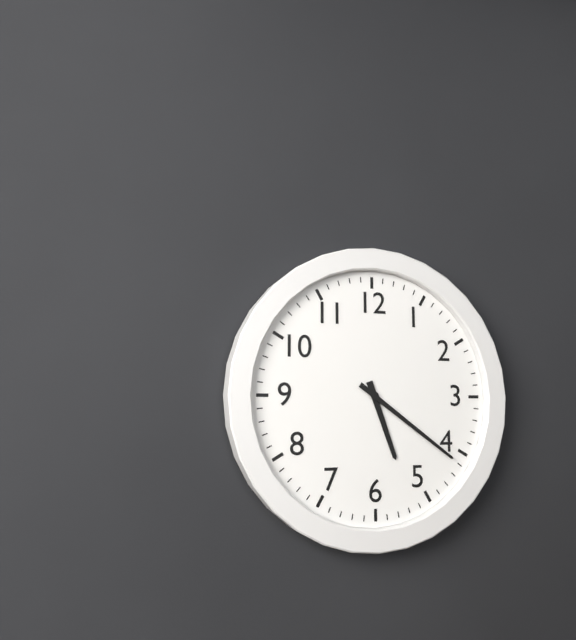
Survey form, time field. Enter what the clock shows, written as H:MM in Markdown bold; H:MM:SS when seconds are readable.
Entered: **5:21**
